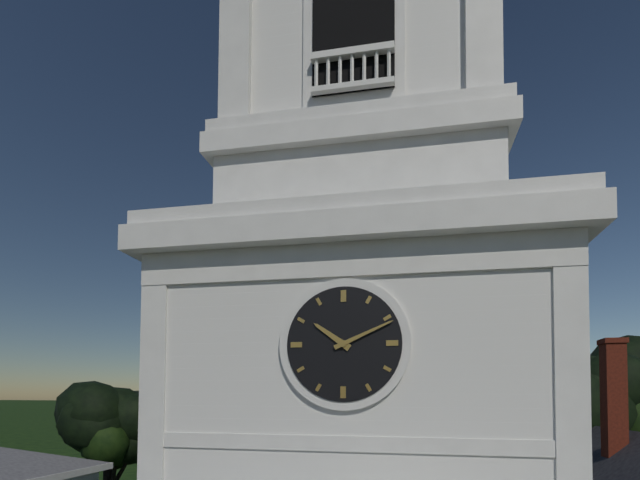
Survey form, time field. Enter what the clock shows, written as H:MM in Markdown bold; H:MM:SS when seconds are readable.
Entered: **10:11**
